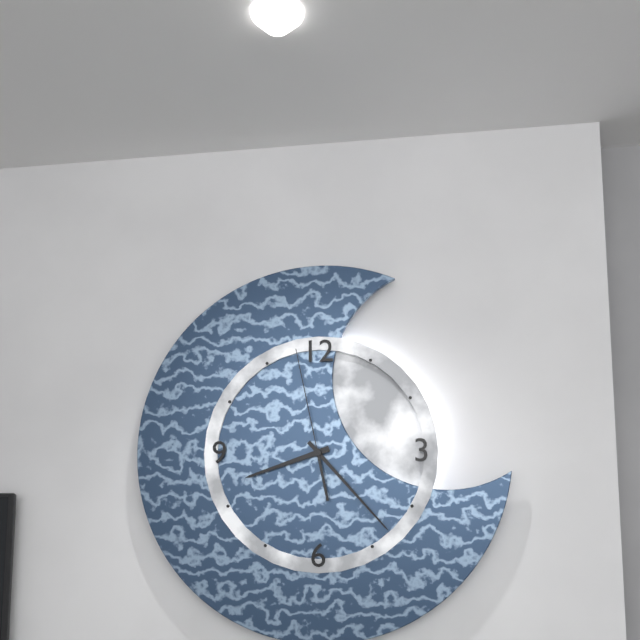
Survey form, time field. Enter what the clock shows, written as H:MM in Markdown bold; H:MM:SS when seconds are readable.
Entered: **8:23:58**
